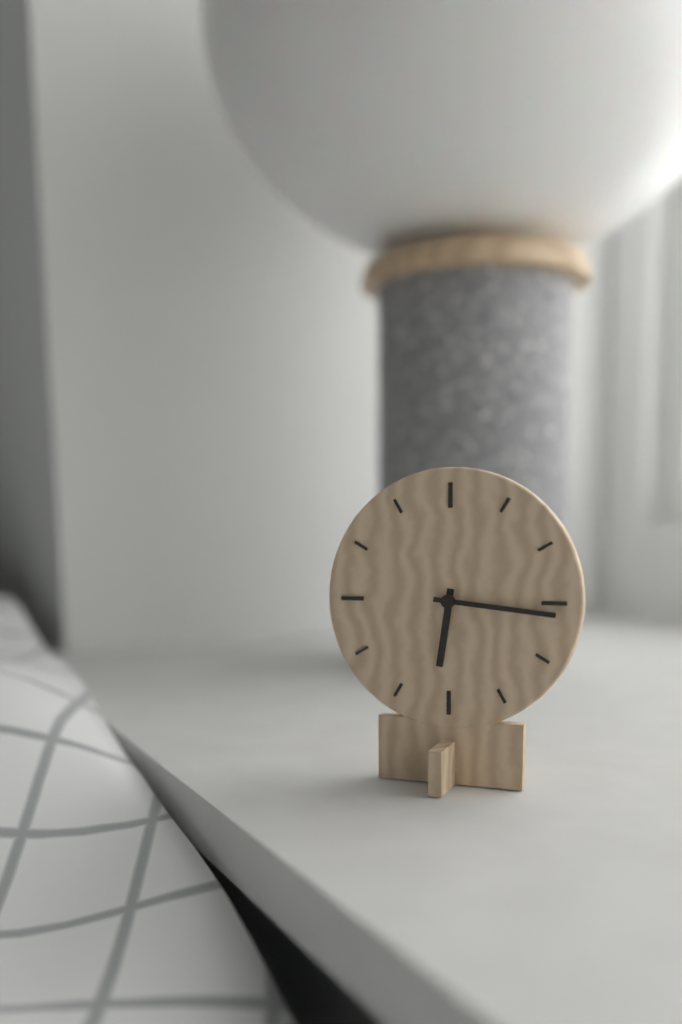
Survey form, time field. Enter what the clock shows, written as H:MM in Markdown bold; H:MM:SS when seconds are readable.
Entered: **6:16**
